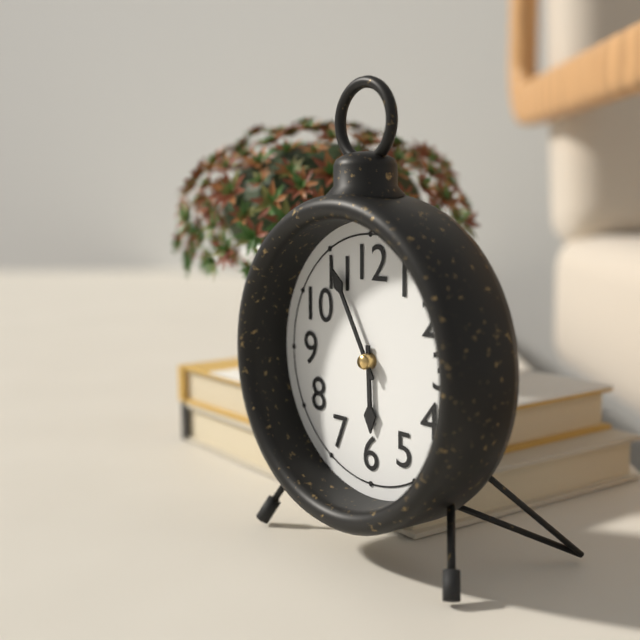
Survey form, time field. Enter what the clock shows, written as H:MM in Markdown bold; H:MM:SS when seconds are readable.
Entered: **5:55**
